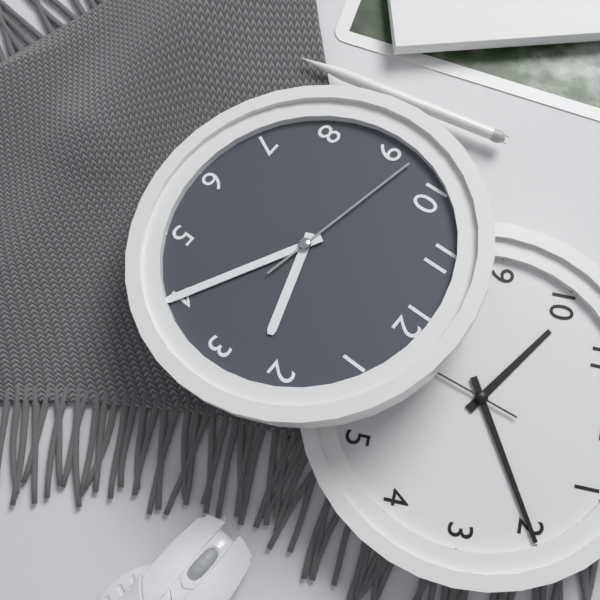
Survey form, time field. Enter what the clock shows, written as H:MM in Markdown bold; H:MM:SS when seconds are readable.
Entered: **2:20:47**
